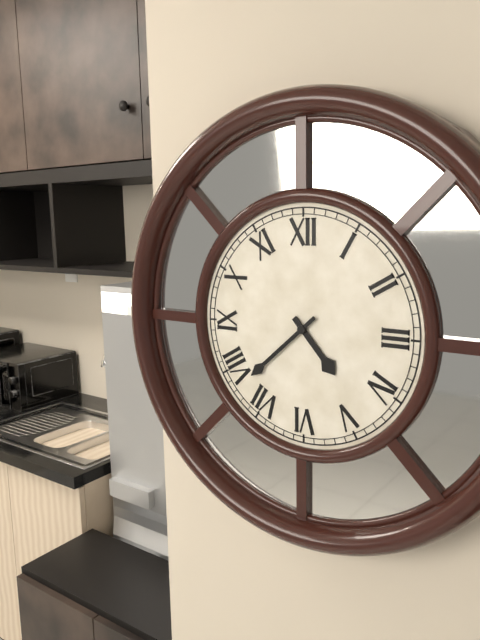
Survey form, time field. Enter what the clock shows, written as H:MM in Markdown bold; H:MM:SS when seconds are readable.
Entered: **4:38**
